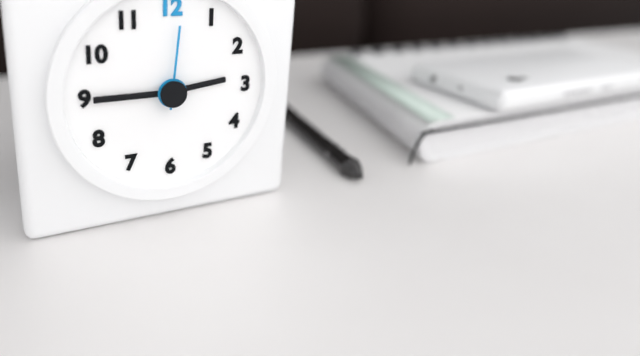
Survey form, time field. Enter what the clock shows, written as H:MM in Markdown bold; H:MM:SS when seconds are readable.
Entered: **2:45:01**
